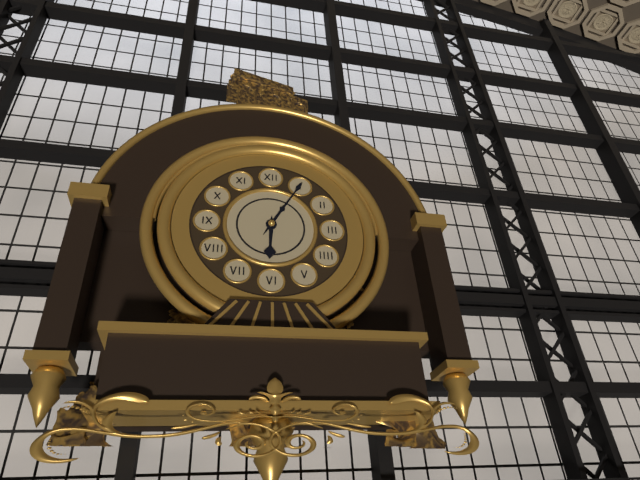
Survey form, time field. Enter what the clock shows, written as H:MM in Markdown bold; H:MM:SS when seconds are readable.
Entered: **6:05**
